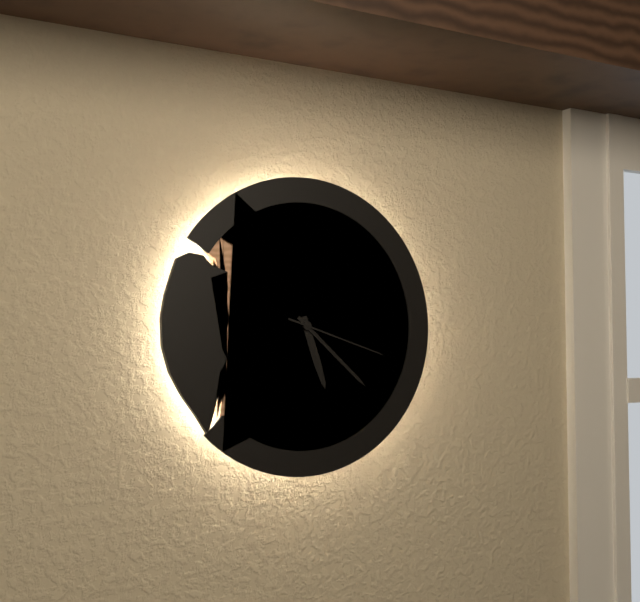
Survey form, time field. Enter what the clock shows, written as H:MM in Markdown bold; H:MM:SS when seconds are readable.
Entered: **5:22:18**
